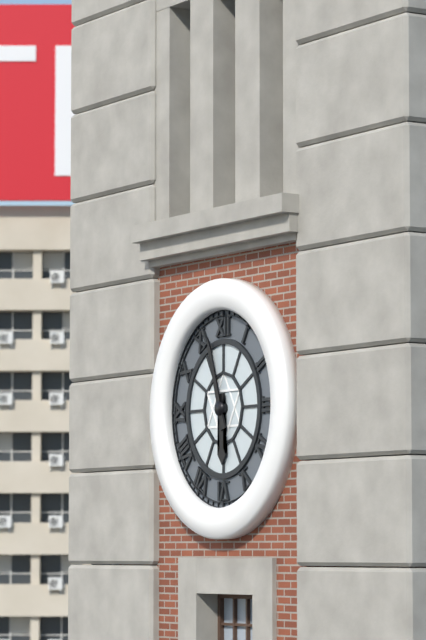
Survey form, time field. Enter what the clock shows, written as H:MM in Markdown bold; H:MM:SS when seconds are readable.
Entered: **5:57**
